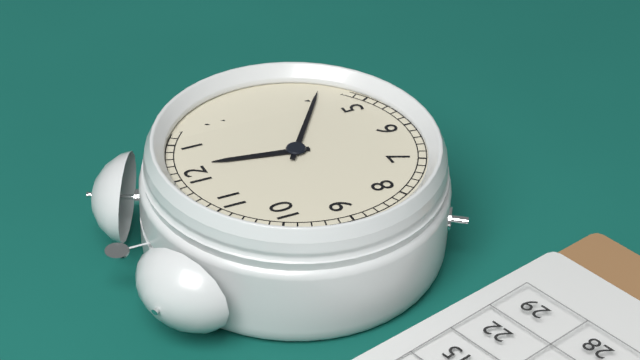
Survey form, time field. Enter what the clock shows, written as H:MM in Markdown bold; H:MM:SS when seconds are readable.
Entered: **12:21**
